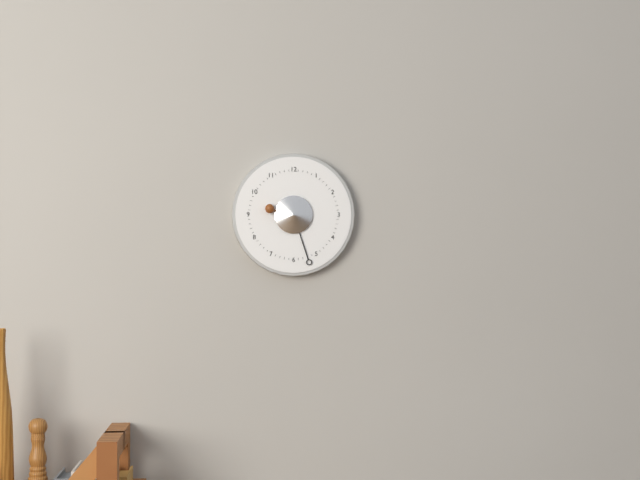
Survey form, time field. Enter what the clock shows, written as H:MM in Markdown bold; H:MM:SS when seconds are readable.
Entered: **9:27**
